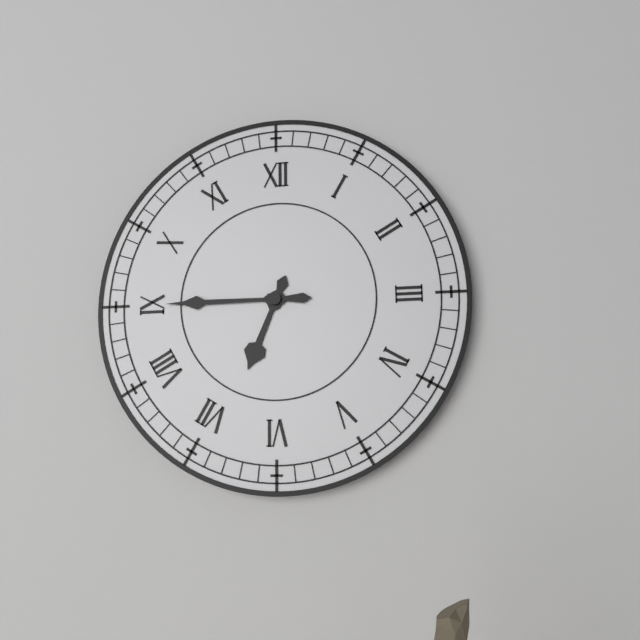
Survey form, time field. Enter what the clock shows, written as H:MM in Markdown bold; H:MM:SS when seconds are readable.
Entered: **6:45**
